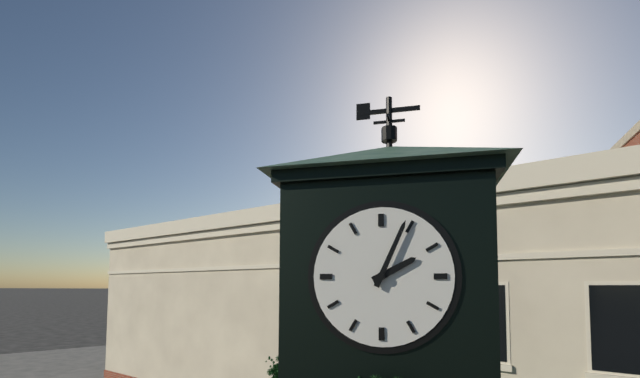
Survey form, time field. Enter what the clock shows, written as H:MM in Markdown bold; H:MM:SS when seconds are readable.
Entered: **2:04**
